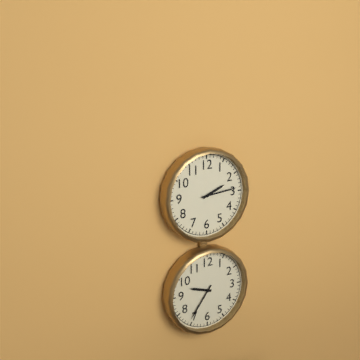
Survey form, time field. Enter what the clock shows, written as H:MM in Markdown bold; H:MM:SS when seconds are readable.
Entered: **2:14**
